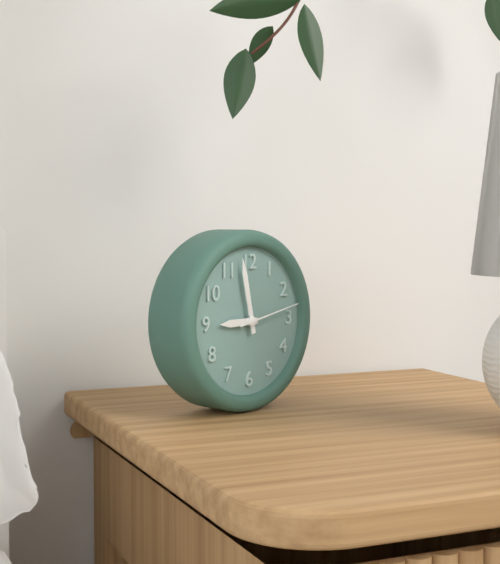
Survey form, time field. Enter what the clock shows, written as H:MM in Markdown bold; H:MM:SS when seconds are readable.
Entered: **8:58:13**
